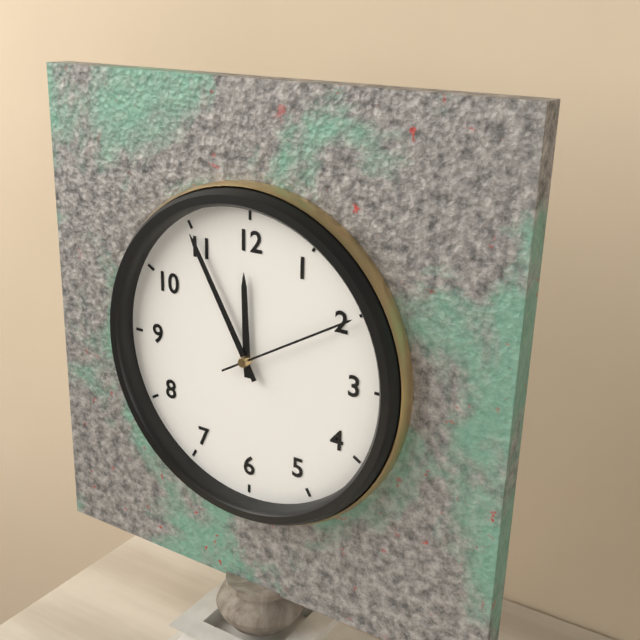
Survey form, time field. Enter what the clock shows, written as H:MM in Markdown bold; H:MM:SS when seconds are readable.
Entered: **11:55:10**
